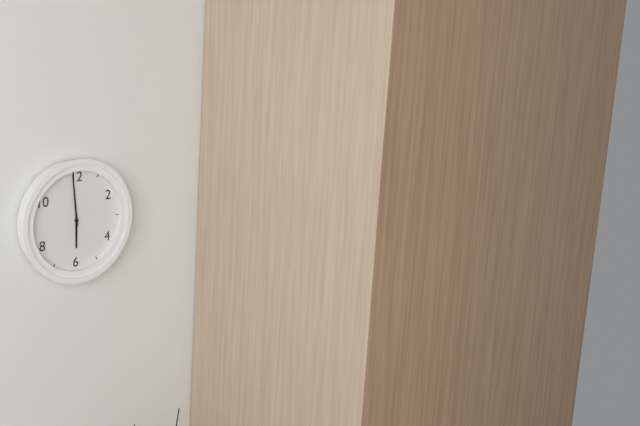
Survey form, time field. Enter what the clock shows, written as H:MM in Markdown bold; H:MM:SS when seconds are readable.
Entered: **5:59**
